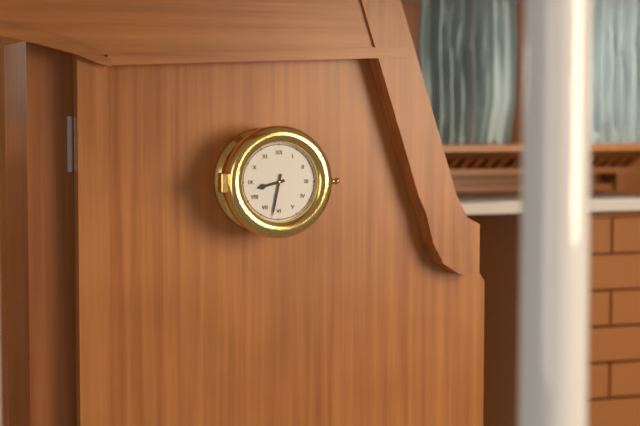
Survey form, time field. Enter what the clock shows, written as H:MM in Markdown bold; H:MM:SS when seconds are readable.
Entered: **8:32**
